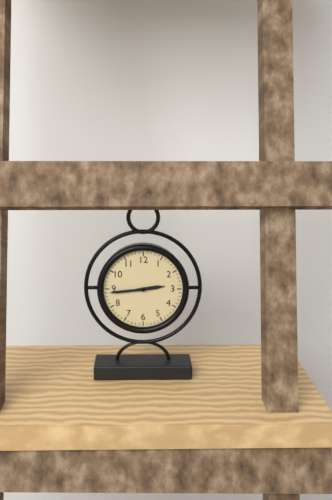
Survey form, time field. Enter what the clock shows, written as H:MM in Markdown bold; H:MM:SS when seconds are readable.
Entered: **2:44**
